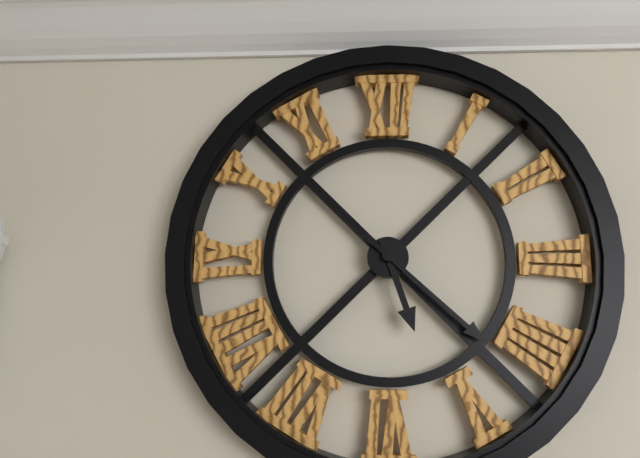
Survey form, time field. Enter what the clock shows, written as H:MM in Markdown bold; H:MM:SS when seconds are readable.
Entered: **5:22**
